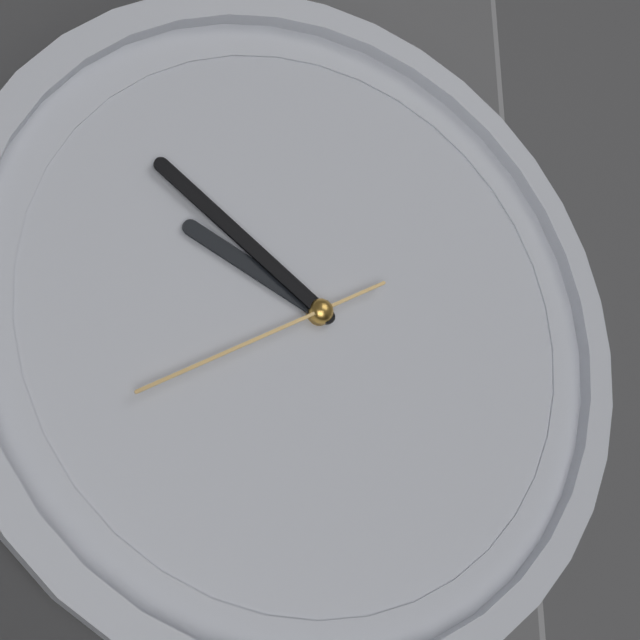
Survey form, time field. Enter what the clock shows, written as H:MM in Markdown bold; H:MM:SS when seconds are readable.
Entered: **9:51:40**
